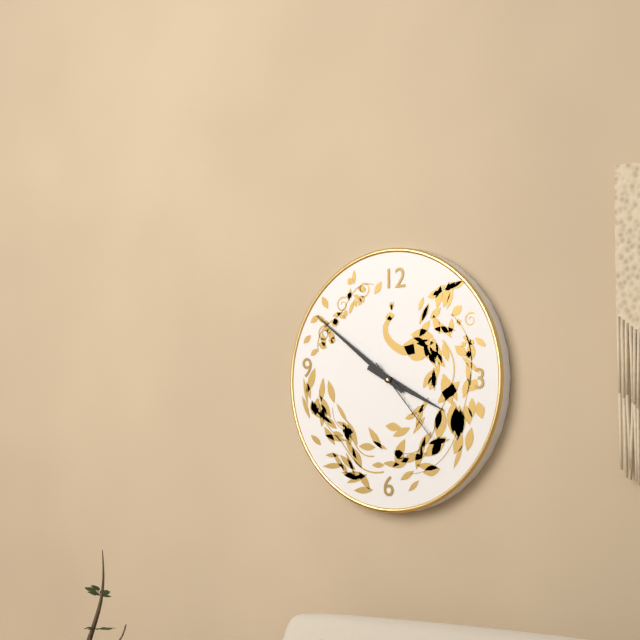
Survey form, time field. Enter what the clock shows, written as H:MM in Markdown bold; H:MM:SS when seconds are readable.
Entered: **3:51:23**
